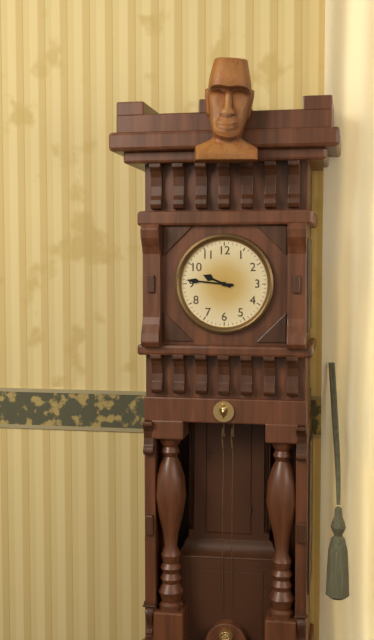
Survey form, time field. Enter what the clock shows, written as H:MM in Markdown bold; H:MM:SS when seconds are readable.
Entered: **9:46**
